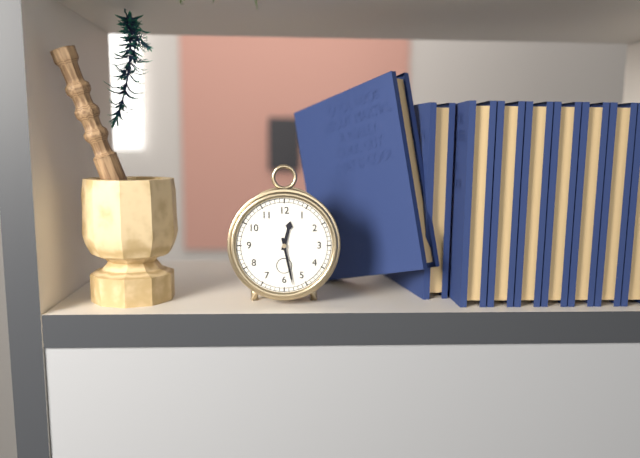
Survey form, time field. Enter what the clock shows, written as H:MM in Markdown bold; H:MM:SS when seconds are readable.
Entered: **12:28**
